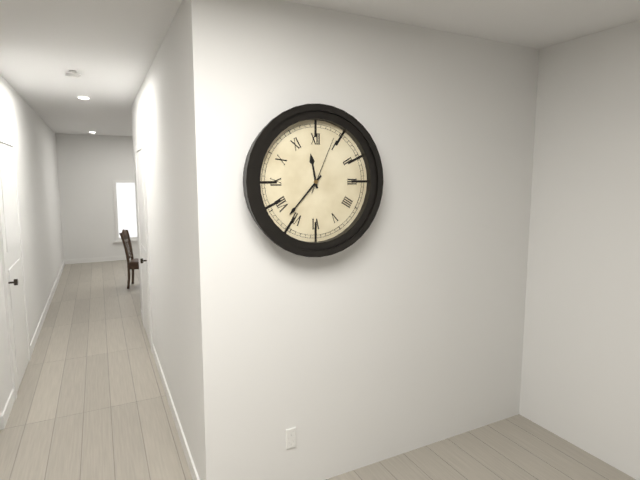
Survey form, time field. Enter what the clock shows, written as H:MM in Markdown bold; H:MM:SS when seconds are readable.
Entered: **11:37:04**
